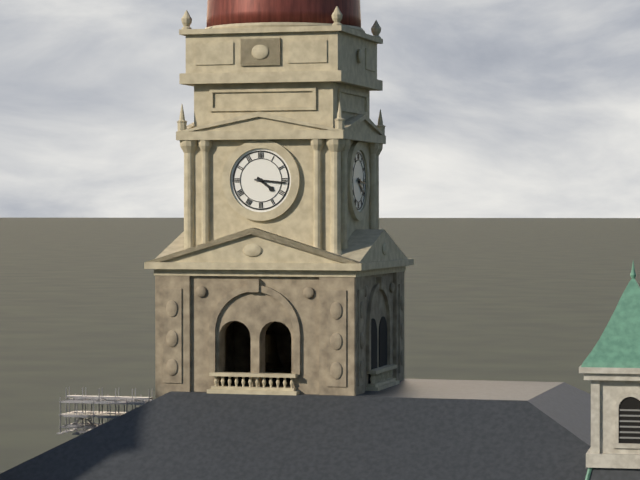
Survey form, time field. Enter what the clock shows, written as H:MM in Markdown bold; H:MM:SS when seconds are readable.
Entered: **4:16**
